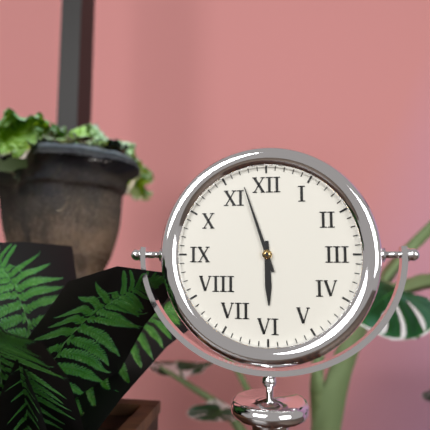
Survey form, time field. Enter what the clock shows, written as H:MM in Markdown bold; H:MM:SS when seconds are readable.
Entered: **5:57**
